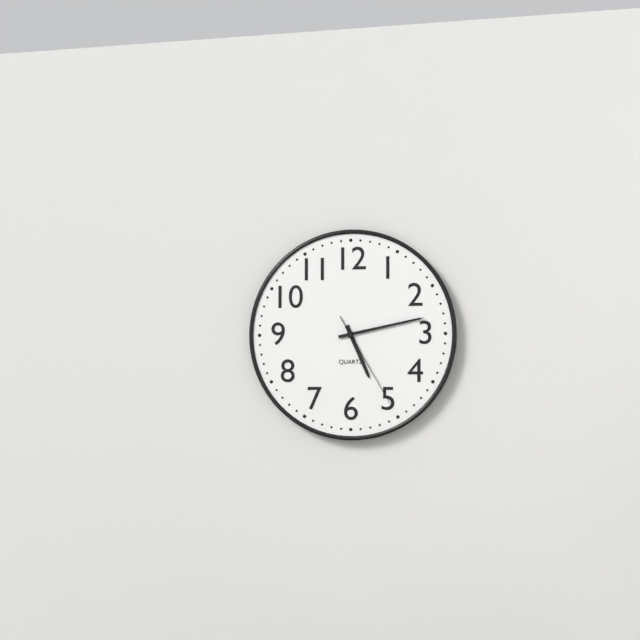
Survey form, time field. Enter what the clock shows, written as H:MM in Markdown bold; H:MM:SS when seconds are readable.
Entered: **5:13:25**
